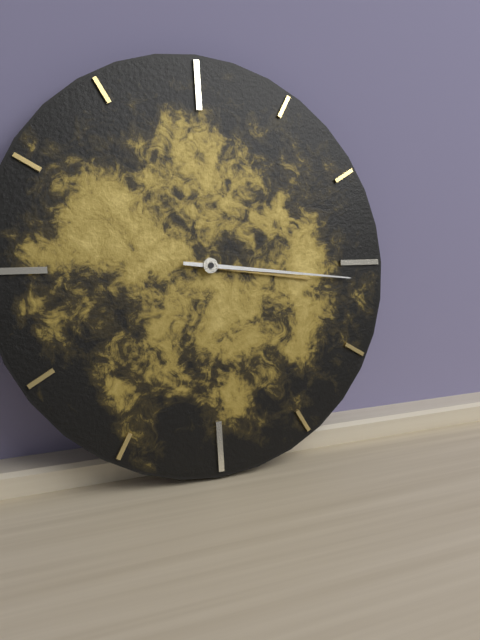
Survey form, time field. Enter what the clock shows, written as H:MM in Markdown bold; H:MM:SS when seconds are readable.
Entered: **3:16**
